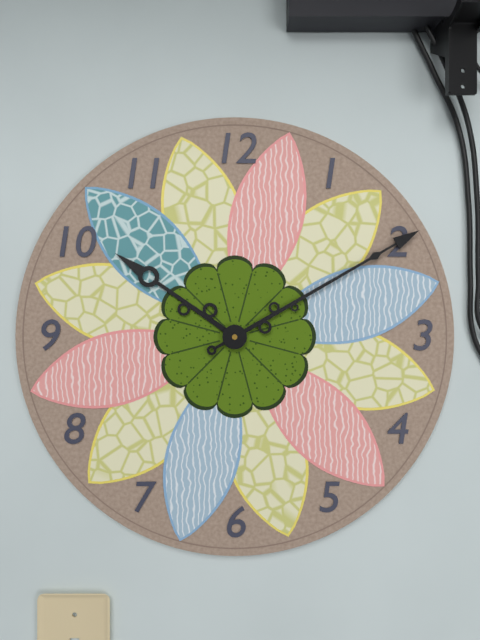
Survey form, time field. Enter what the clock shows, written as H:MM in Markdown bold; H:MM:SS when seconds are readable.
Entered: **10:10**
